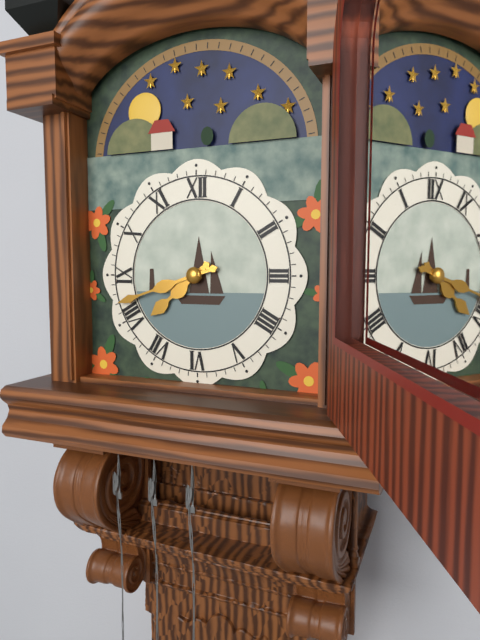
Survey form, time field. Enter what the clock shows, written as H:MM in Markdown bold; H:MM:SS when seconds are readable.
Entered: **7:42**
